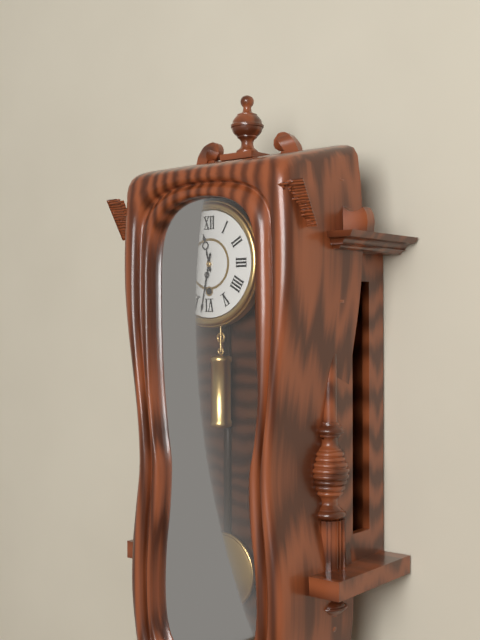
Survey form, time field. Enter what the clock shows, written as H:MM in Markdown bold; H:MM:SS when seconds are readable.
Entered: **11:32**
